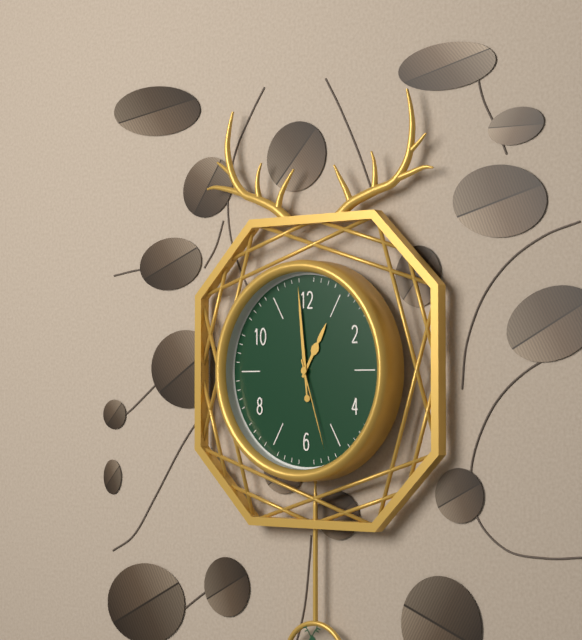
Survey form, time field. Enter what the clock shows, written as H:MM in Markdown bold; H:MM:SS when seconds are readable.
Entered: **12:59:27**
